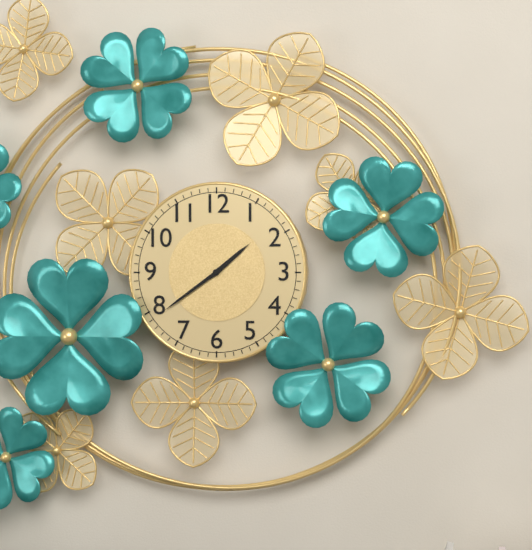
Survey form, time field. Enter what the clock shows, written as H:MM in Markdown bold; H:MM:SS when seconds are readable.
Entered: **1:39**
